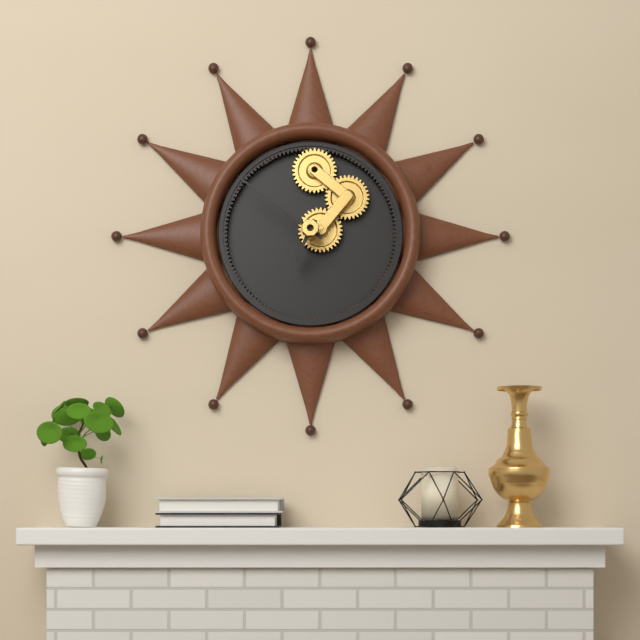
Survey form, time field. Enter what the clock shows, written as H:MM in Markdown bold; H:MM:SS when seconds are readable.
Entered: **6:51**
